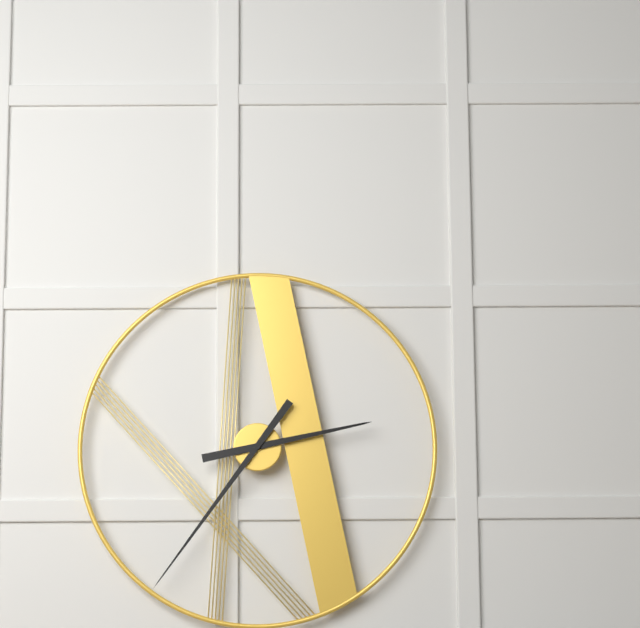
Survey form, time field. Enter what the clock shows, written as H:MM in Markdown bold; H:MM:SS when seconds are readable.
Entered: **2:36**
